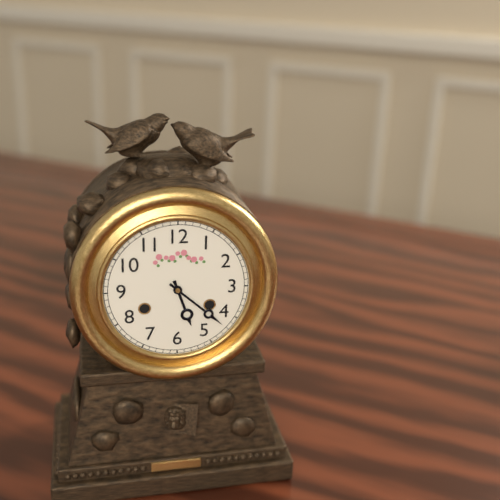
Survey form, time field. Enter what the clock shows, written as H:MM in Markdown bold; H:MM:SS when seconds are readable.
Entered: **5:22**
